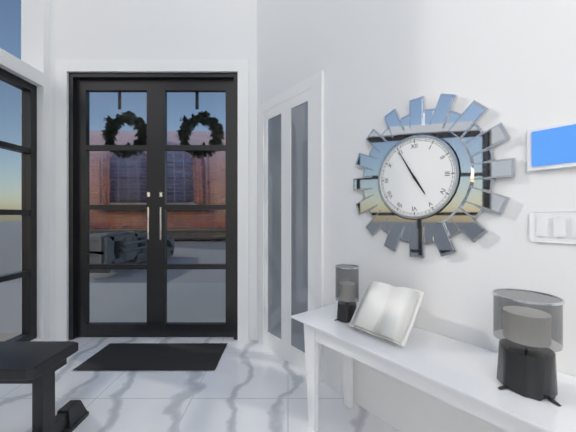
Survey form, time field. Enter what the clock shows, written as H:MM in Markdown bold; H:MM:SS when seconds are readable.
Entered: **4:55**
